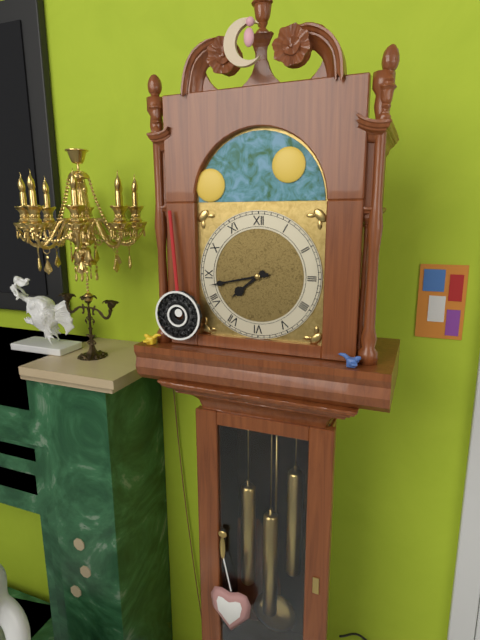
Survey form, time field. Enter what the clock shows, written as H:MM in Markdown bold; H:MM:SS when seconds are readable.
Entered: **7:43**
